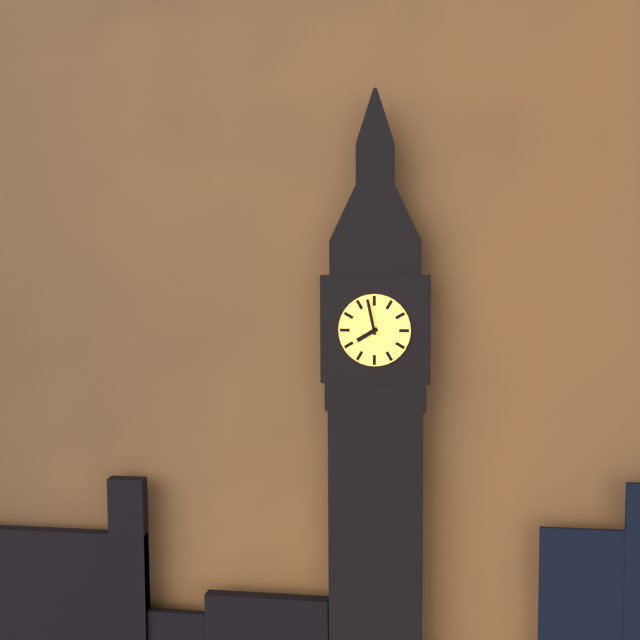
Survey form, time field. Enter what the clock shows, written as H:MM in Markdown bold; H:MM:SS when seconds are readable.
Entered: **7:58**
